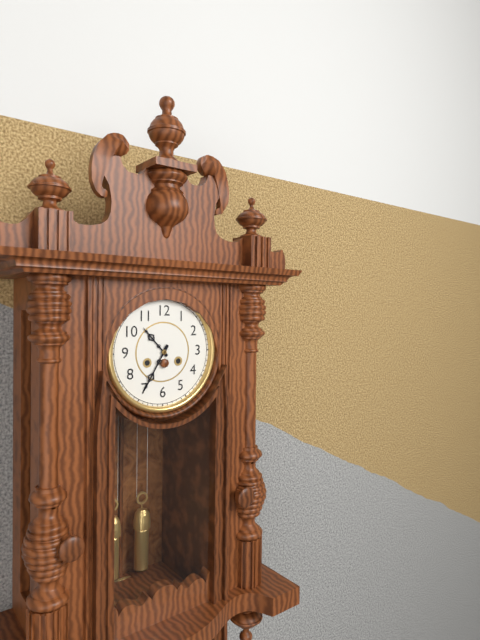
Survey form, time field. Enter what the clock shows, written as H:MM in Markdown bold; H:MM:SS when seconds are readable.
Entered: **10:35**
